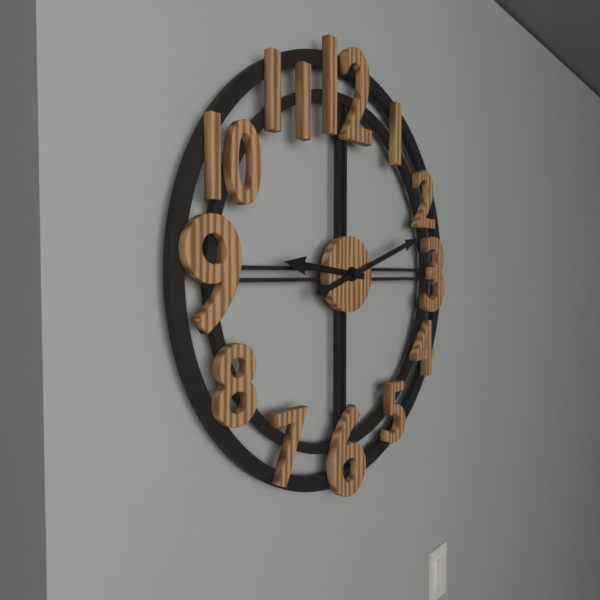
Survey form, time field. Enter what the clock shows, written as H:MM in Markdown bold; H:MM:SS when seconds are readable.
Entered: **9:12**
